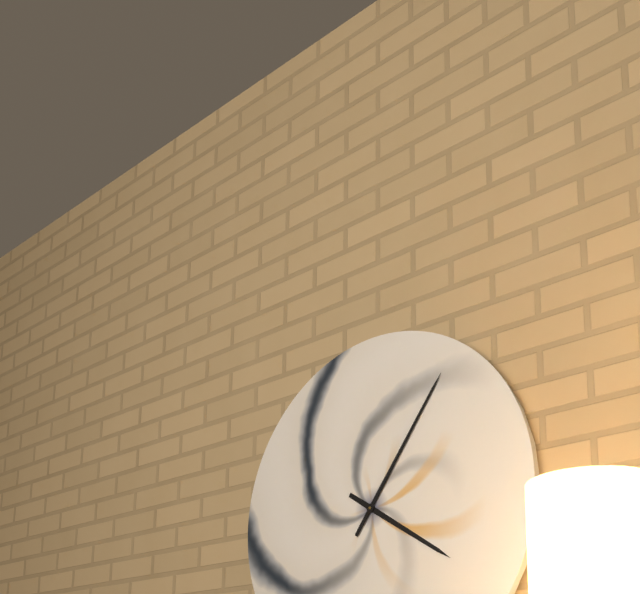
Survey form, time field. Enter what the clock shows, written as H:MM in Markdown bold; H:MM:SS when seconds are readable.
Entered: **4:06**
